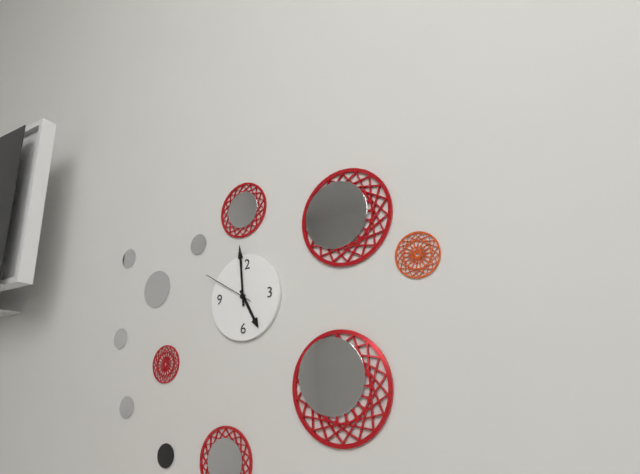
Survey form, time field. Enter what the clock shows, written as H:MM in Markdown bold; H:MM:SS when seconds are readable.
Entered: **4:59:50**
